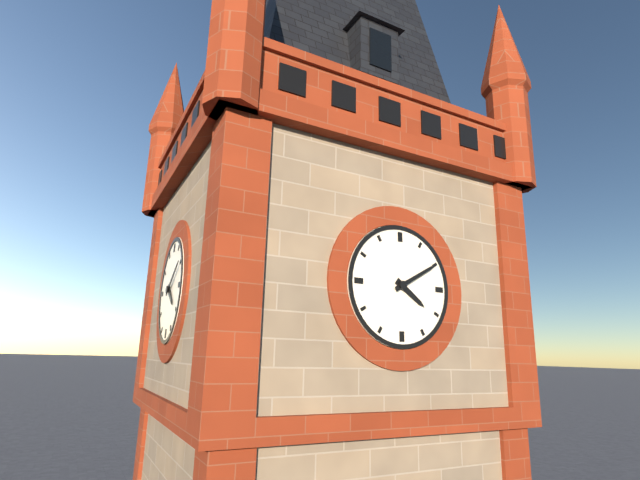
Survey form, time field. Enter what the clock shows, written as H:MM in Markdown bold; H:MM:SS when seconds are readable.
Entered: **4:10**
